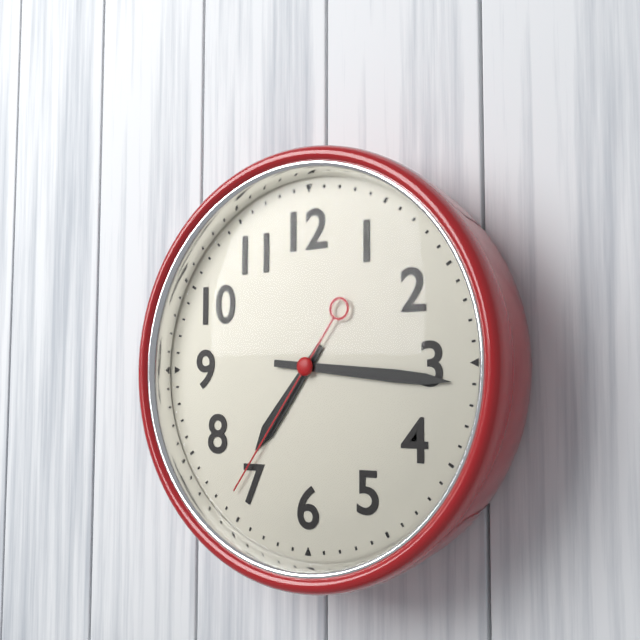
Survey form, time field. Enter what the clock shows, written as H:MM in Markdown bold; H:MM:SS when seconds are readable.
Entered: **7:16:36**
